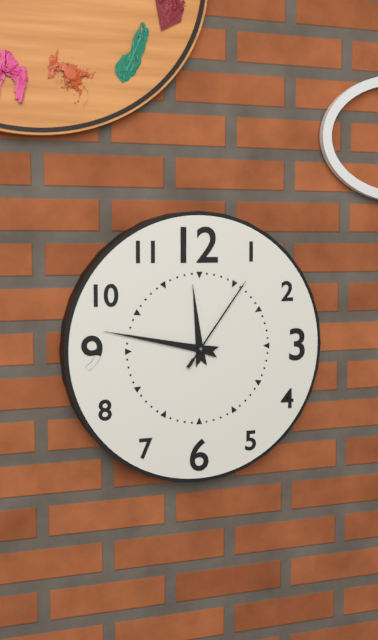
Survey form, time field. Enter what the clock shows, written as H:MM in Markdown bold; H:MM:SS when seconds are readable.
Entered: **11:47:06**
